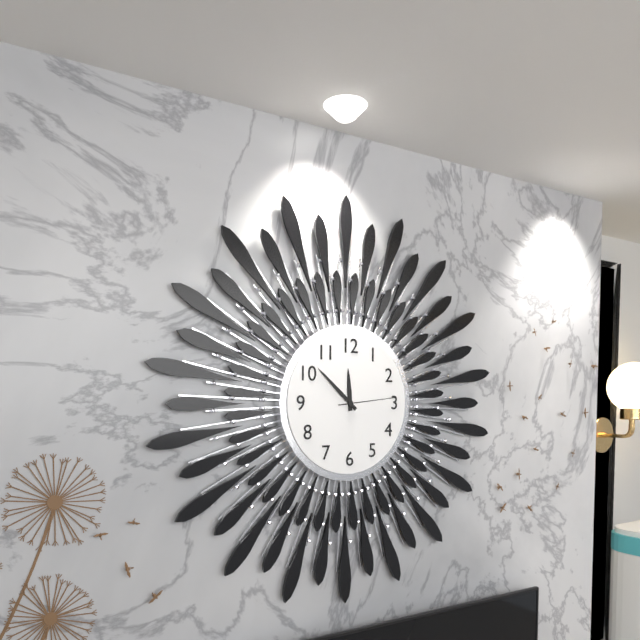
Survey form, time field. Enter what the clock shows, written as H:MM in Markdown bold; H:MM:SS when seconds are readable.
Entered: **11:52:14**
